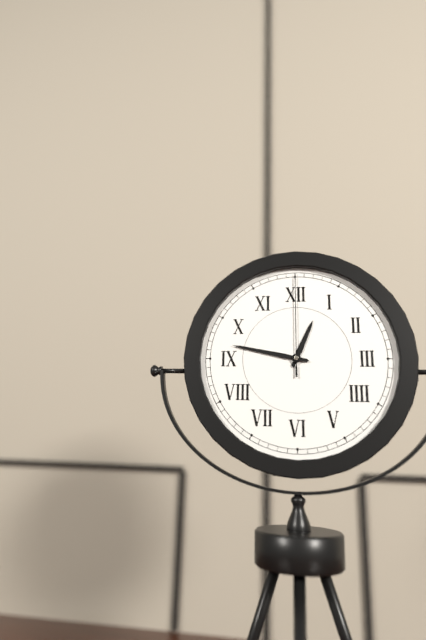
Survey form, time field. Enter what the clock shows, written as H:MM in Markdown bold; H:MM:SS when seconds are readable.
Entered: **12:47:00**
